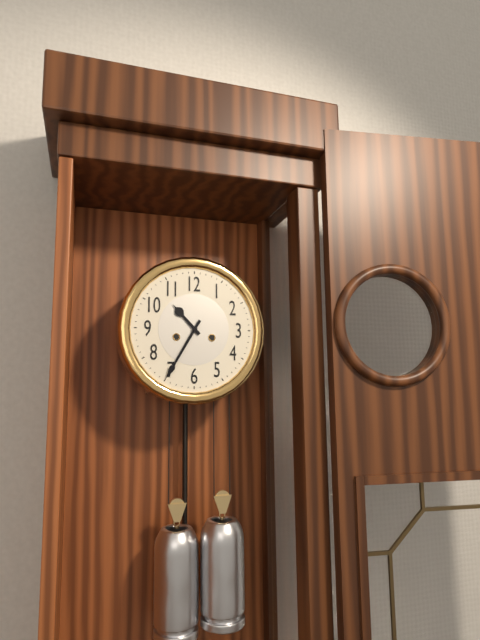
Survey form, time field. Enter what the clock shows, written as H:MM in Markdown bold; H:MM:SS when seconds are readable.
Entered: **10:35**
